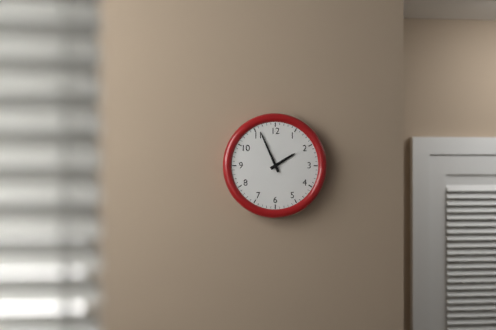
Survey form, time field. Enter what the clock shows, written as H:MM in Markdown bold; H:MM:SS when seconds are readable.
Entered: **1:56**
